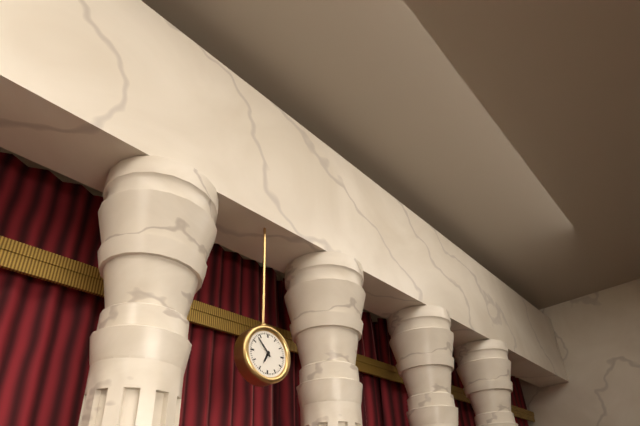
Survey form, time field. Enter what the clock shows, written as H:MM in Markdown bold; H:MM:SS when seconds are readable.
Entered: **6:53**
